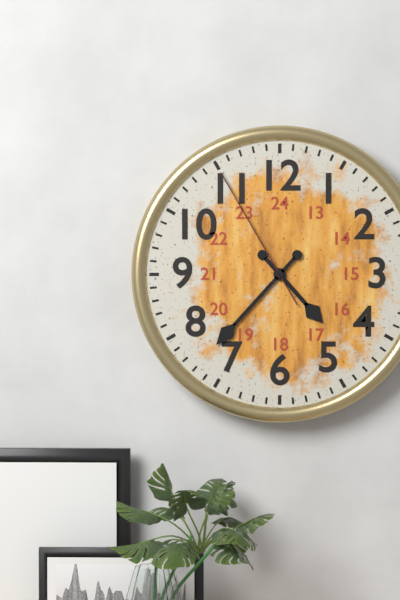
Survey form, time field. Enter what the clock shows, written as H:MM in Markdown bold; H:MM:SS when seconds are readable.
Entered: **4:37:55**
